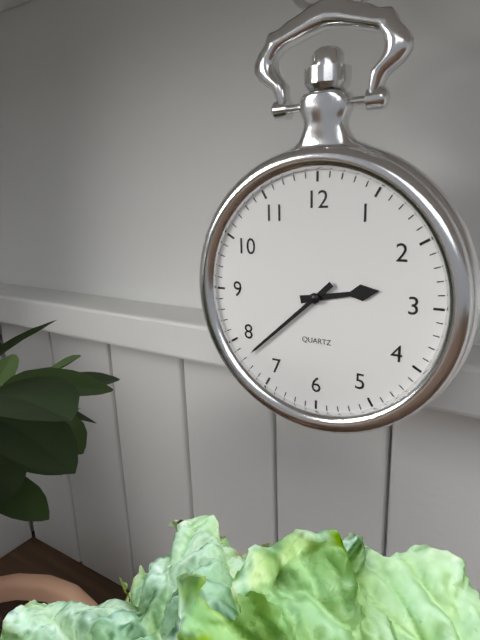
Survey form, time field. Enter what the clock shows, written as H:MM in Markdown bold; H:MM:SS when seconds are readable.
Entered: **2:38**
